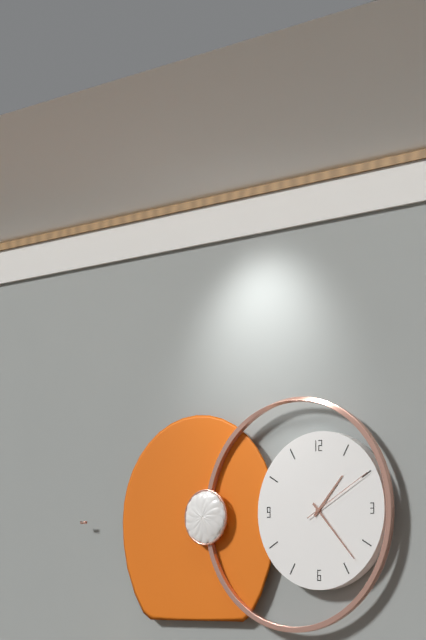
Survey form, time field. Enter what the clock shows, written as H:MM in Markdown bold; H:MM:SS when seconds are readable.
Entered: **1:23:10**
